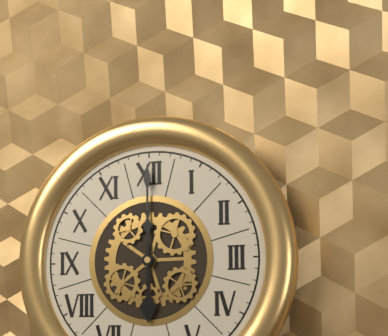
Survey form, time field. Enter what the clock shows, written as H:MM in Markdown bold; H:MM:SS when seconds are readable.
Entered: **6:00**
